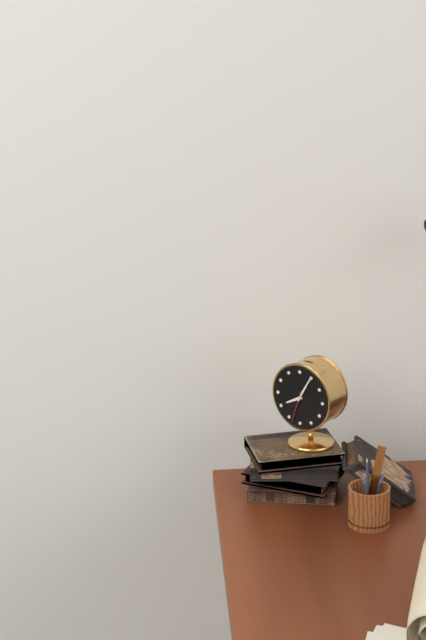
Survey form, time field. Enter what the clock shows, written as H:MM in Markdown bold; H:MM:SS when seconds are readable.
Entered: **8:05**
